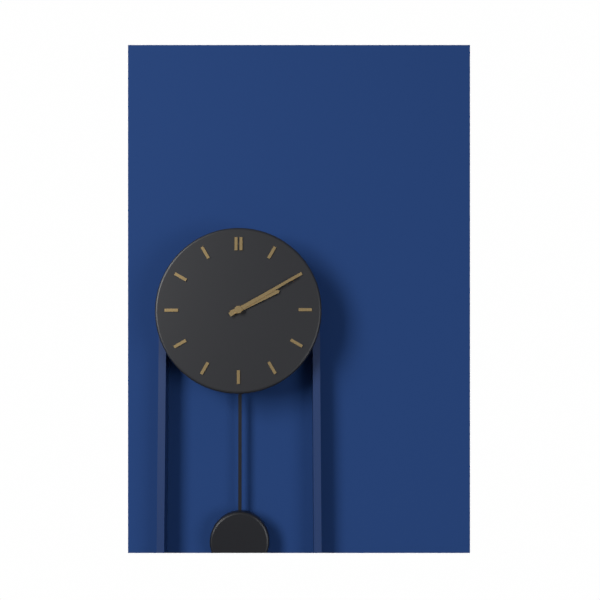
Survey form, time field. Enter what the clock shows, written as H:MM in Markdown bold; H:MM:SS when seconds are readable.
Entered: **2:10**
